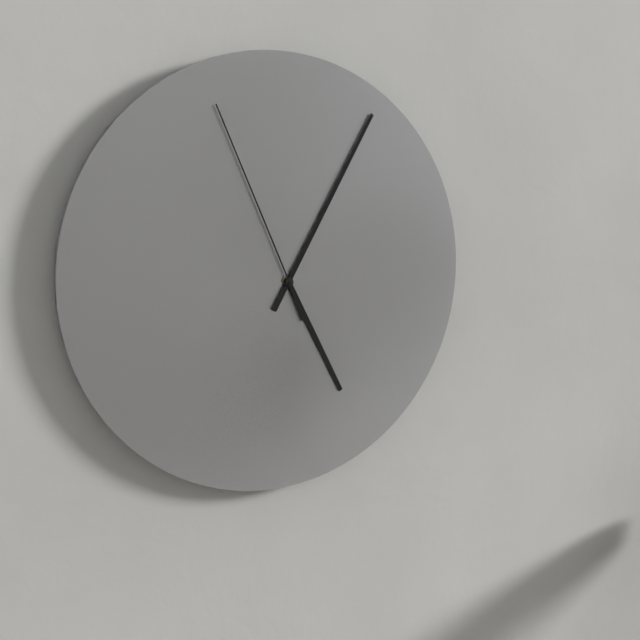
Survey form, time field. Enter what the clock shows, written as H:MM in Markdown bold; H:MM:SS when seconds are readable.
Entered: **5:05:56**
